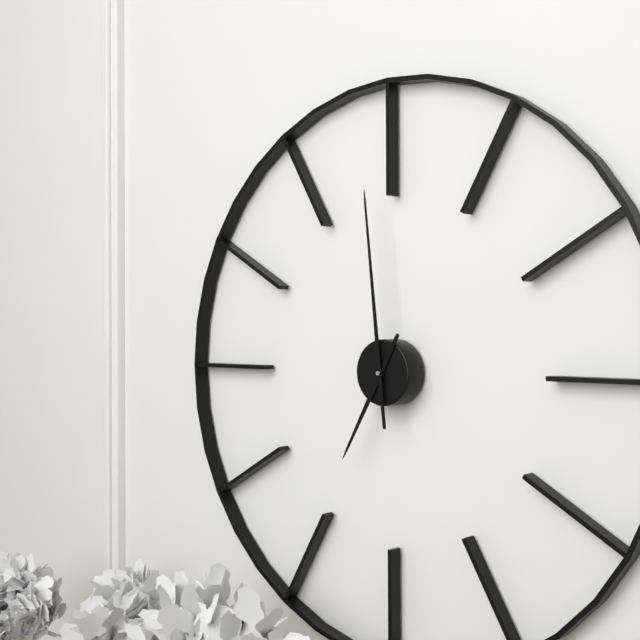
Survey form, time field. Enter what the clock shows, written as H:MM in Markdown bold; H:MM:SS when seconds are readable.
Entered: **6:59**
